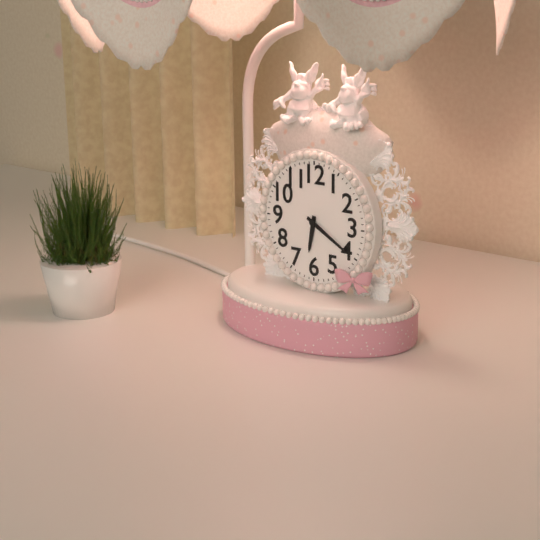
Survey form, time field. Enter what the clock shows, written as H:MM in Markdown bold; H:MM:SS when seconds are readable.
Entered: **6:20**
